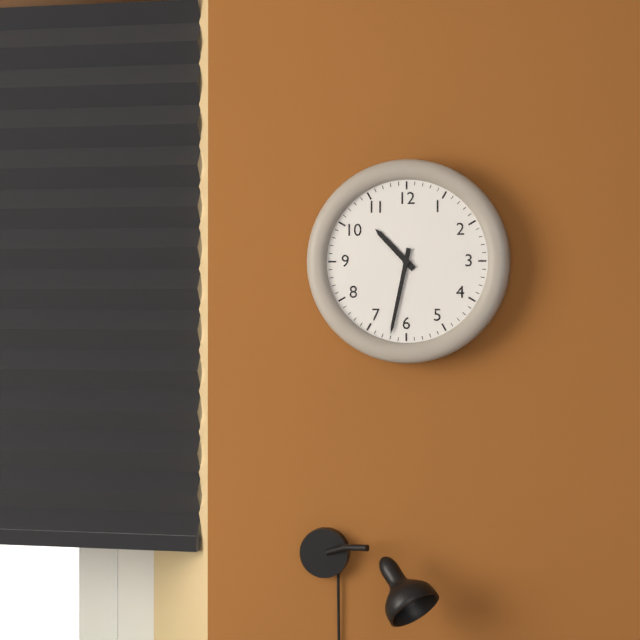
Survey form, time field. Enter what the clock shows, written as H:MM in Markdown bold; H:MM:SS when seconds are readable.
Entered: **10:32**
